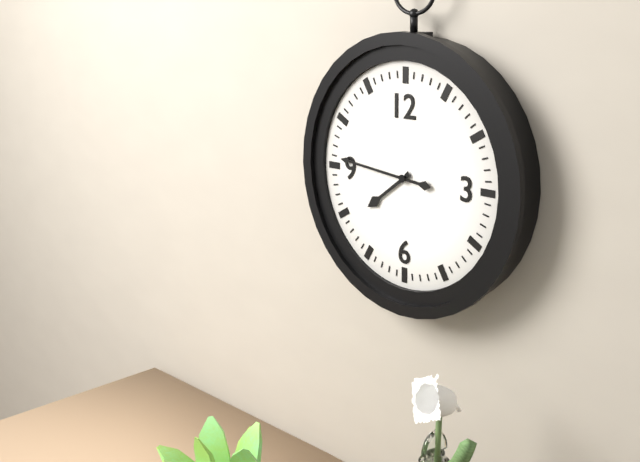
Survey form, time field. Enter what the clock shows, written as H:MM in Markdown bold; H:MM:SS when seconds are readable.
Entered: **7:46**
